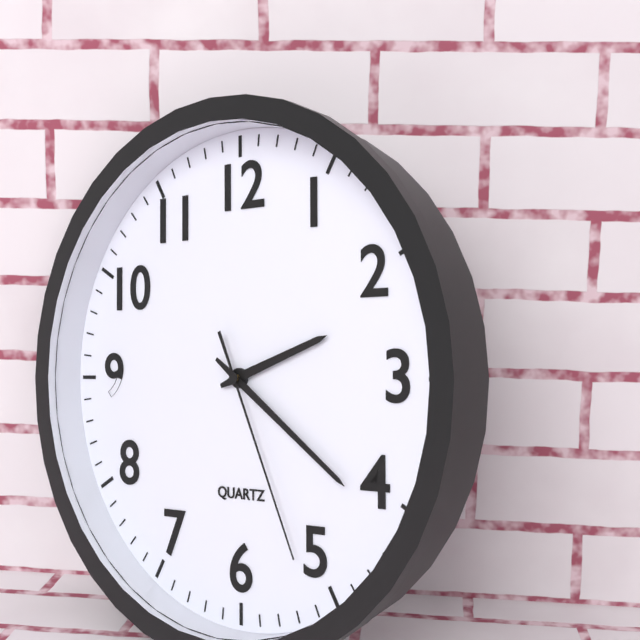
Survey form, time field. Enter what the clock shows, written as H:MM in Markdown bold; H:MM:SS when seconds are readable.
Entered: **2:21:26**
